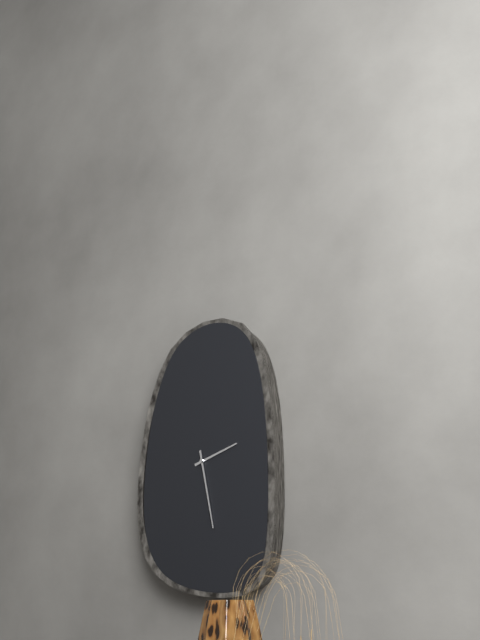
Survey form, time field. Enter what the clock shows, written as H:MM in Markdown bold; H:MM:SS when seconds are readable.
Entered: **2:28**
